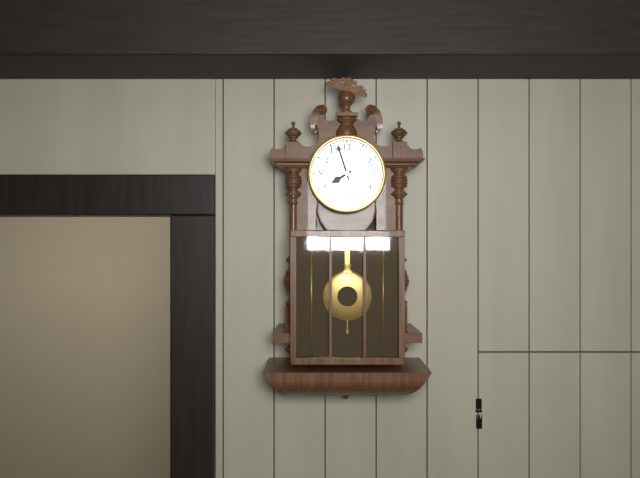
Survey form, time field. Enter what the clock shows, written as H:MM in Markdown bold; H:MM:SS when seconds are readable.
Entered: **7:57**
